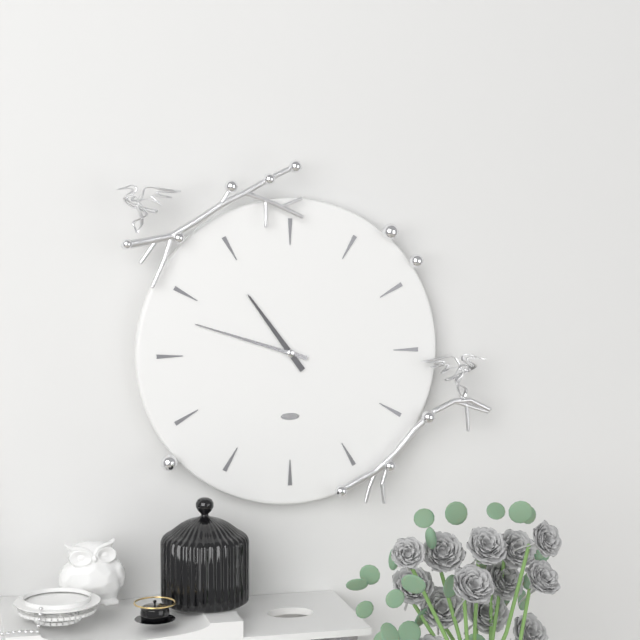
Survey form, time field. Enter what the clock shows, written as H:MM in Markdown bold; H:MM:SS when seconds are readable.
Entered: **10:48**
